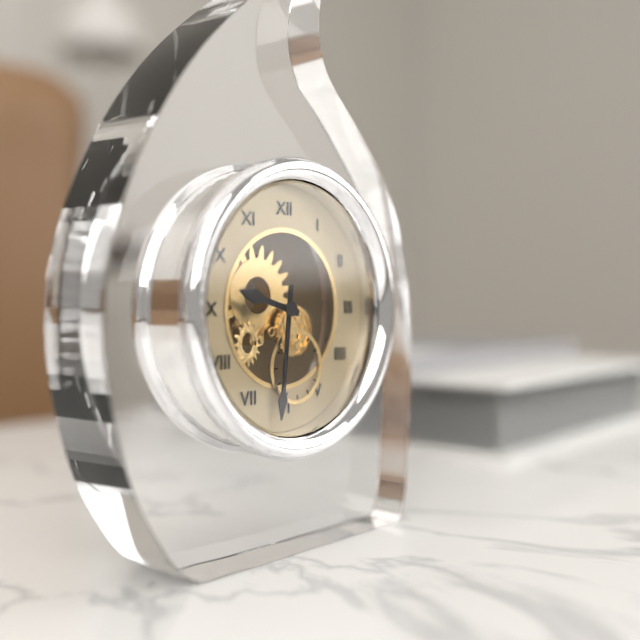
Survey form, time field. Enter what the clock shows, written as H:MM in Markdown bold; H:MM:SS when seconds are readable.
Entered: **9:31**
